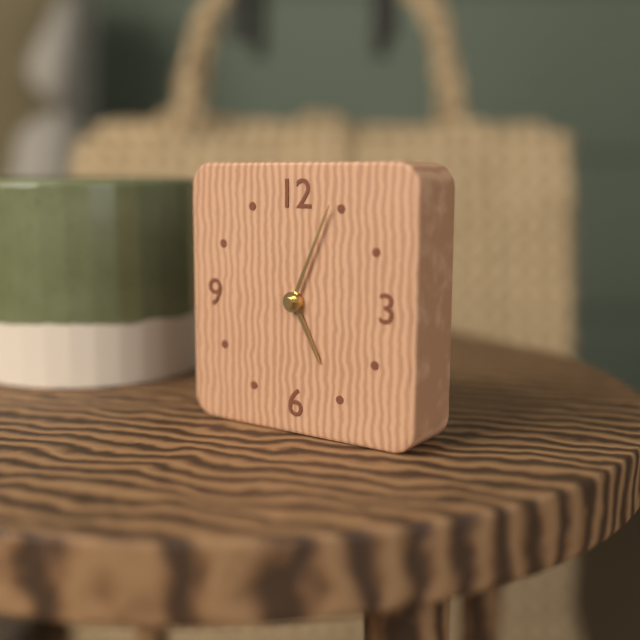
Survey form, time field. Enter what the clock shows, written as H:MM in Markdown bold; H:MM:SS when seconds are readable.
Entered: **5:04**
